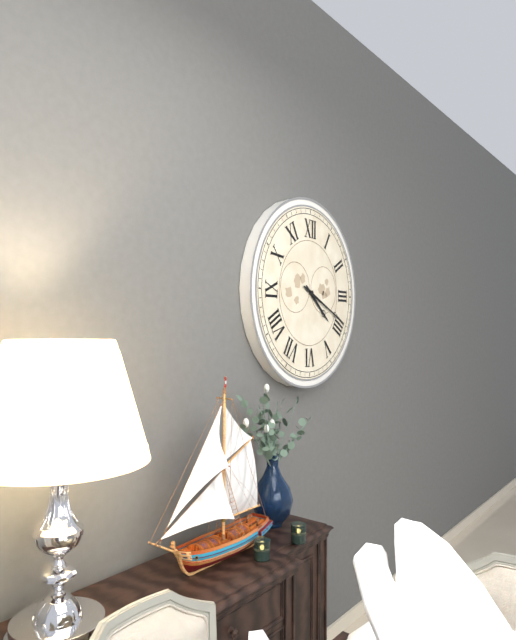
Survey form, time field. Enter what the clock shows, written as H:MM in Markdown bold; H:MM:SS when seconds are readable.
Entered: **4:19**
